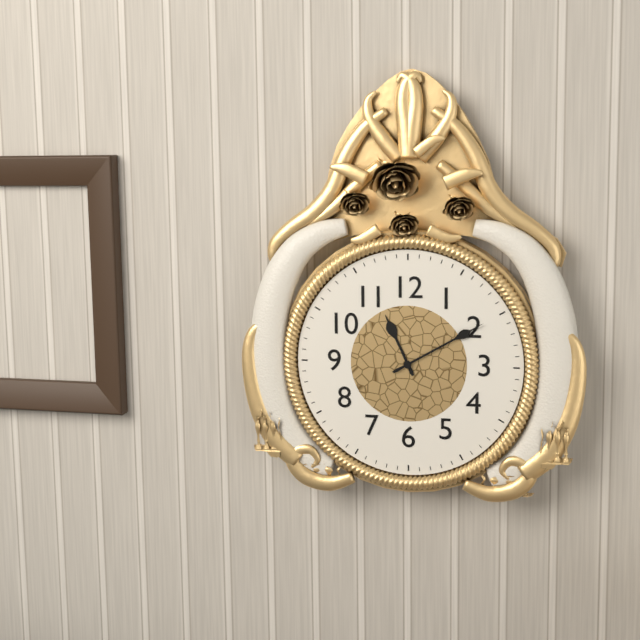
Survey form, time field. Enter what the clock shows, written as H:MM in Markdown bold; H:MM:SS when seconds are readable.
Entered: **11:10**
